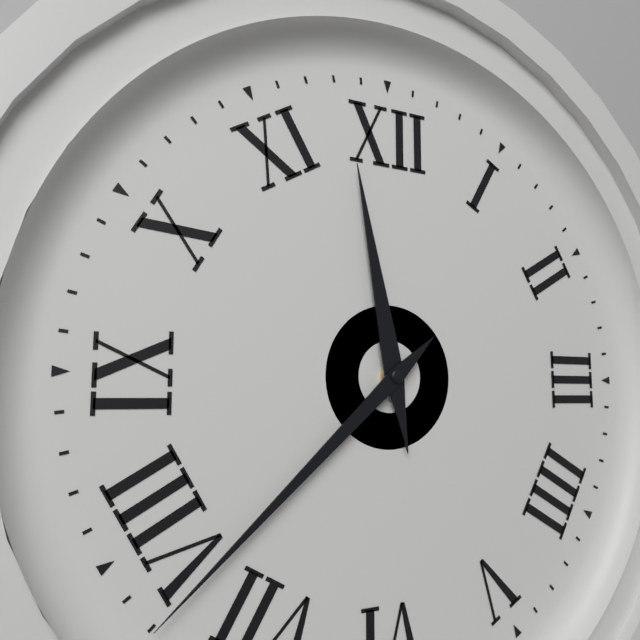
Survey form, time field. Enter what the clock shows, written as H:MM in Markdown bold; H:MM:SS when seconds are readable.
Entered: **11:38**
